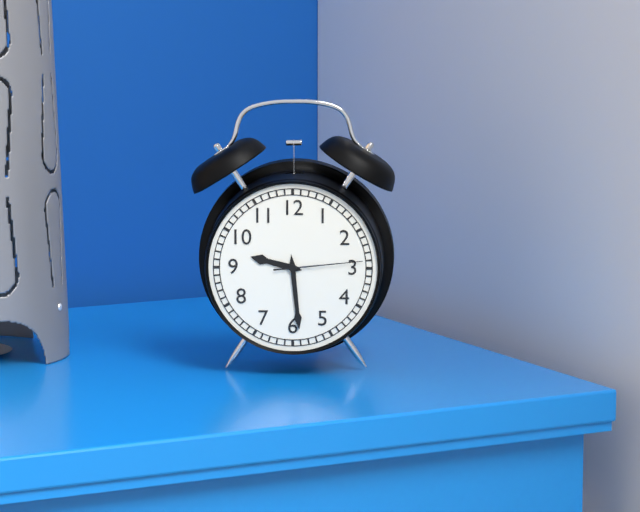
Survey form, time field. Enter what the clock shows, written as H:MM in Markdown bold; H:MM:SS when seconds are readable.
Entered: **9:29:14**
